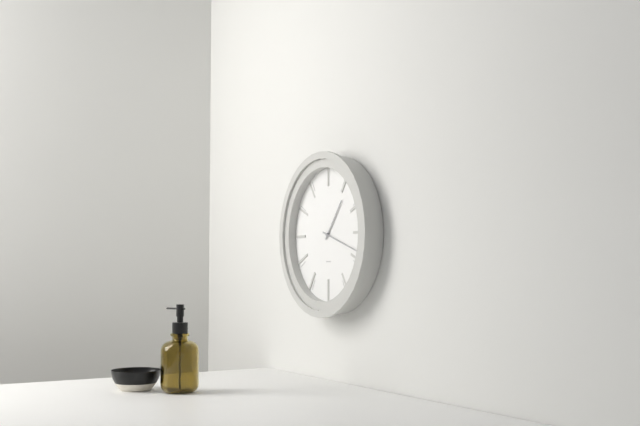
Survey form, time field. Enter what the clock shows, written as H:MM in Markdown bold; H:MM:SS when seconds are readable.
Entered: **1:18**
